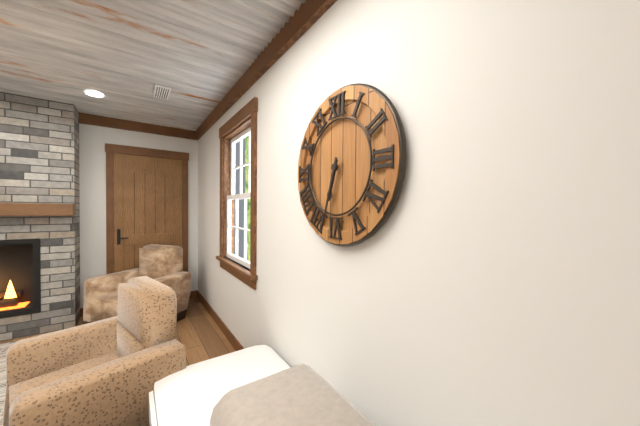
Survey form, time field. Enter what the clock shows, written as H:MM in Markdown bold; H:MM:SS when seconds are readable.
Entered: **6:33**
